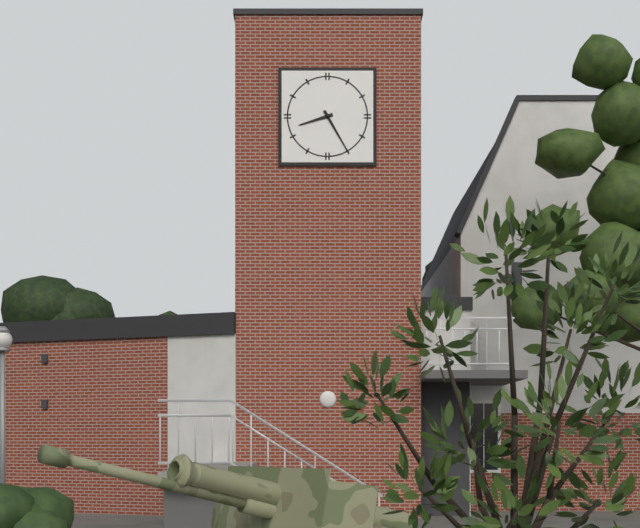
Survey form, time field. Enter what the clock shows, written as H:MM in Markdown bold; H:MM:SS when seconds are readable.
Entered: **8:25**
